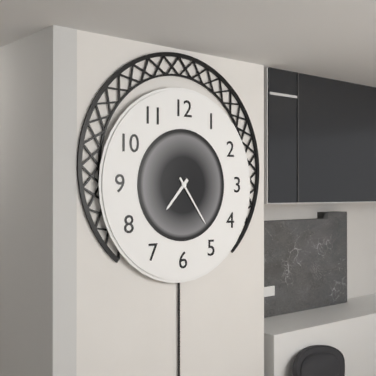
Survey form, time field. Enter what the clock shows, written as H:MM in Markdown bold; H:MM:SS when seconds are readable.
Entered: **7:24**
